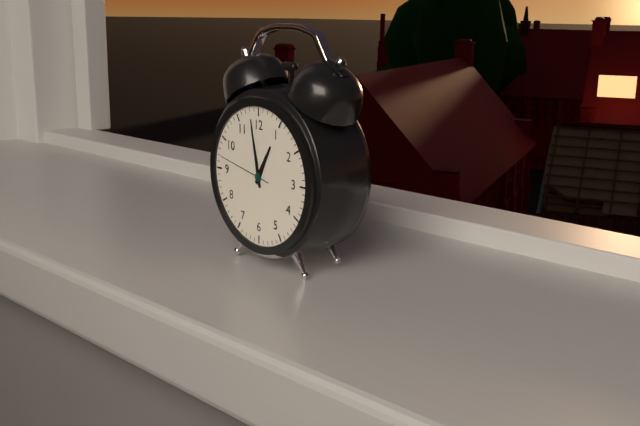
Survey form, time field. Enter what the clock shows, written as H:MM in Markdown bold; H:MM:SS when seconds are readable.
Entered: **12:58:47**
